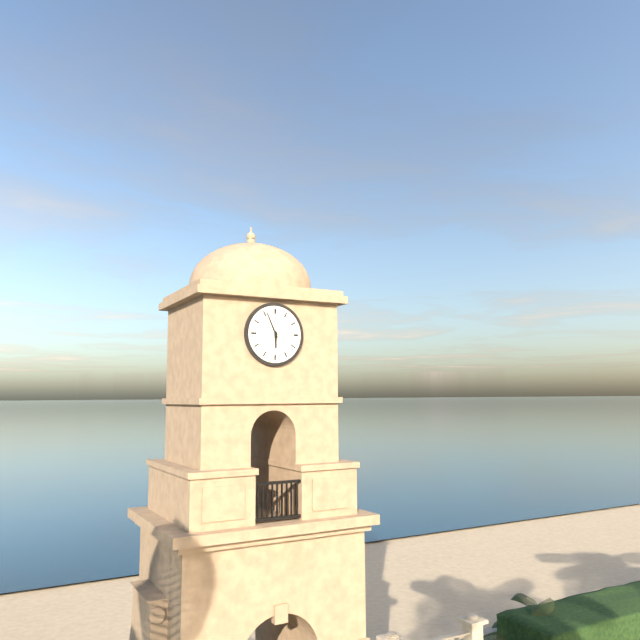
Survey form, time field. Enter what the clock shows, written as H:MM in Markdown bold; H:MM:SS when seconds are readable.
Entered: **5:56**
